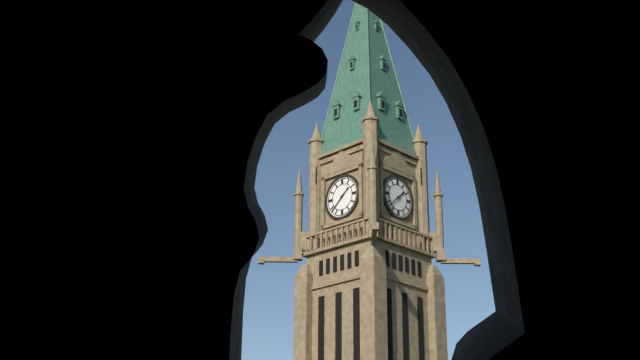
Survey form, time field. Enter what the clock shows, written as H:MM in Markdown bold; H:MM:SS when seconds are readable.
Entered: **1:38**
